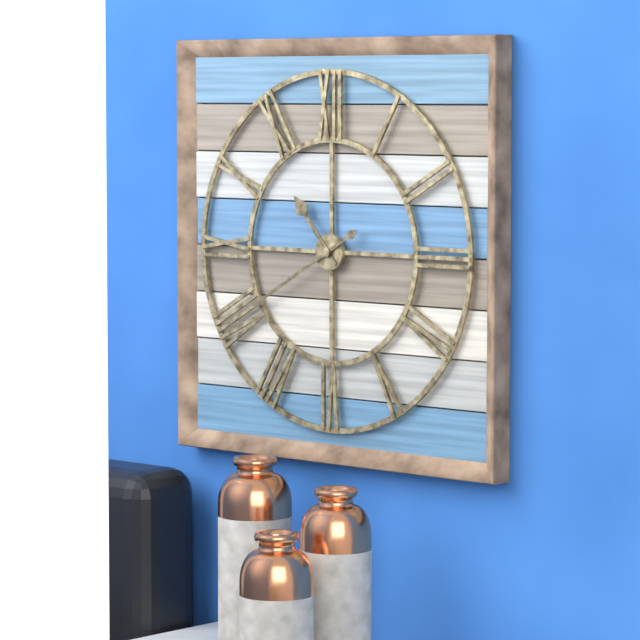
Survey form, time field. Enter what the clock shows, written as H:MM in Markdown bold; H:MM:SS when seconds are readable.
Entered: **10:40**
